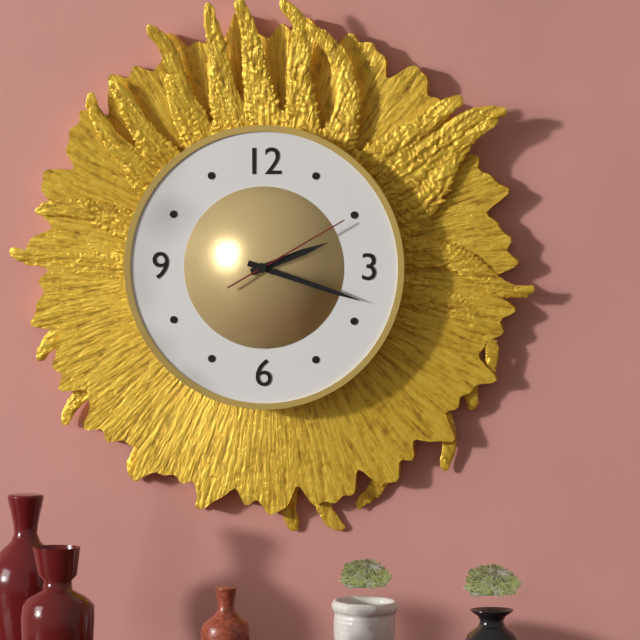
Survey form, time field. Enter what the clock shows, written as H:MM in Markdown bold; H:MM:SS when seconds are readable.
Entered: **2:18:10**
